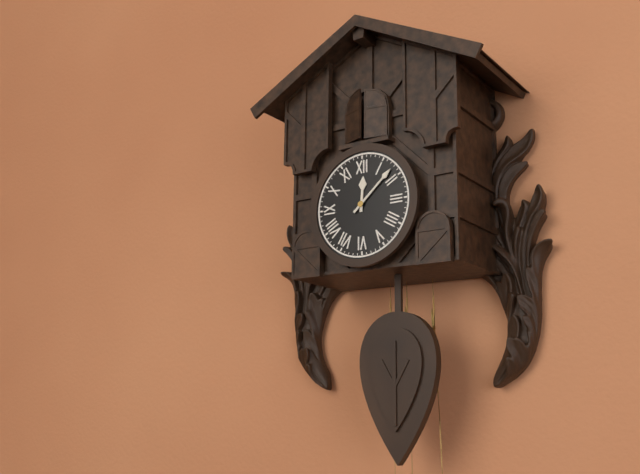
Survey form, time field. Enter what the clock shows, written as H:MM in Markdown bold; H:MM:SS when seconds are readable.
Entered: **12:08**
